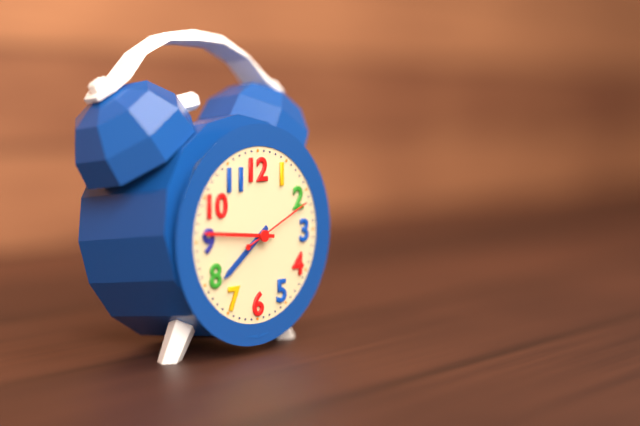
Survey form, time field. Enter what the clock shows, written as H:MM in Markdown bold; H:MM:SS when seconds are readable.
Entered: **7:46:11**
